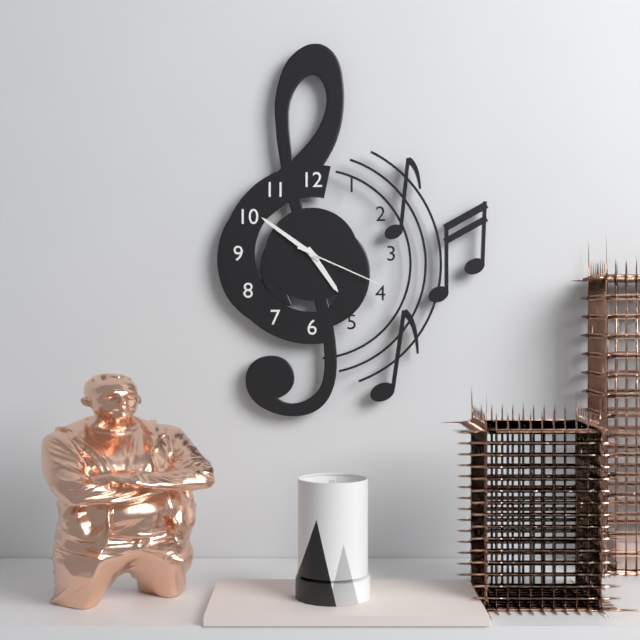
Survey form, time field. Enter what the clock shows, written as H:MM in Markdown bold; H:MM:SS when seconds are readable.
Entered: **4:51:19**
